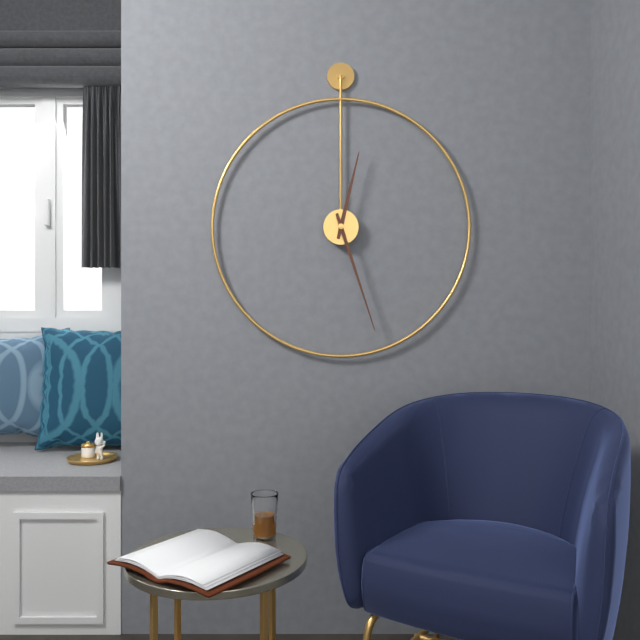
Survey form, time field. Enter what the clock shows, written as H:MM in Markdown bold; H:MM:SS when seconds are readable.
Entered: **12:27**
